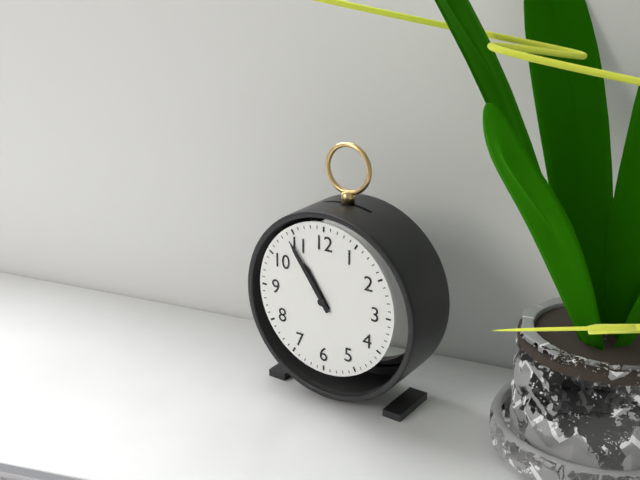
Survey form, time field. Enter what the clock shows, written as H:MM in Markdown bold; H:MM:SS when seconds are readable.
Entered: **10:54**
